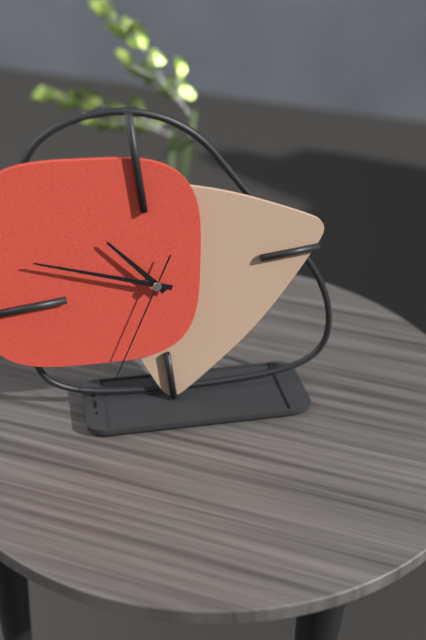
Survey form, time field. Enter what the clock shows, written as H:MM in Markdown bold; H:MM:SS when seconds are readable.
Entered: **10:49:35**
